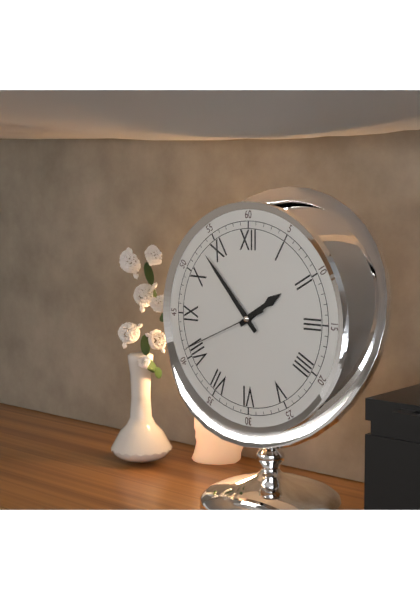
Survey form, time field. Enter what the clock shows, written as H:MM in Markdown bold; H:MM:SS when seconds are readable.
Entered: **1:53:41**
